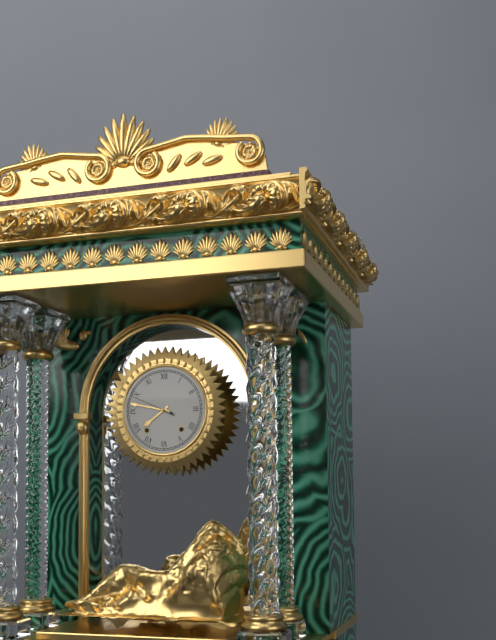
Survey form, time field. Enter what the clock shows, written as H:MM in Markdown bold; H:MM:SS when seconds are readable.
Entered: **7:47**
